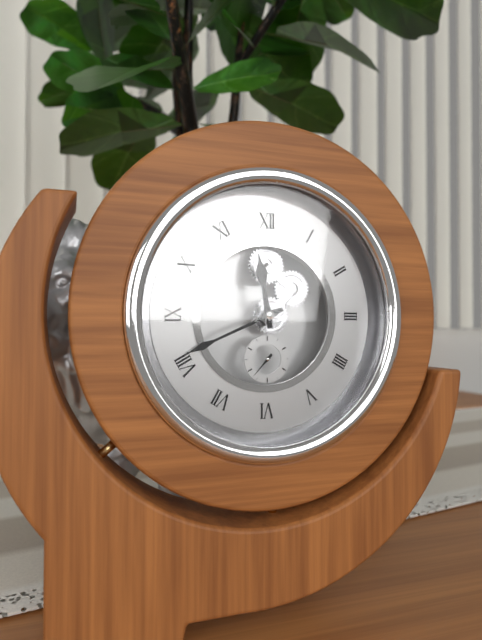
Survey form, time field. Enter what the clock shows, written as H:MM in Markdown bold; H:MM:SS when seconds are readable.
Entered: **11:41**
